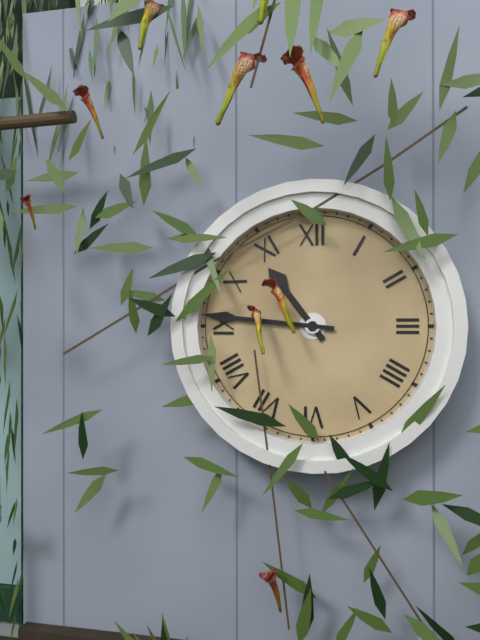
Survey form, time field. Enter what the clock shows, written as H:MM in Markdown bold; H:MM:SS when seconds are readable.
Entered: **10:46**
